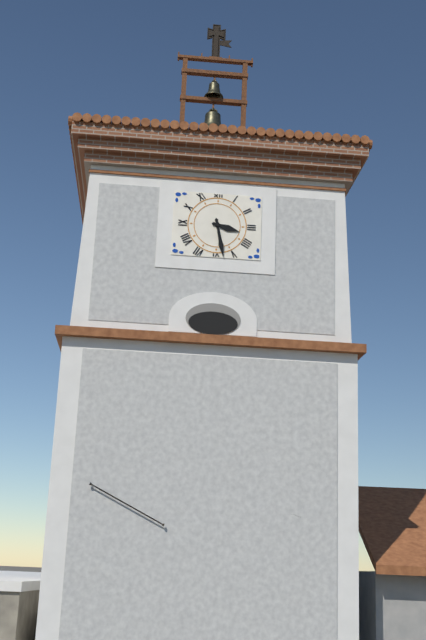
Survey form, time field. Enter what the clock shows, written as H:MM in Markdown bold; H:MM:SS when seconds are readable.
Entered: **3:28**
